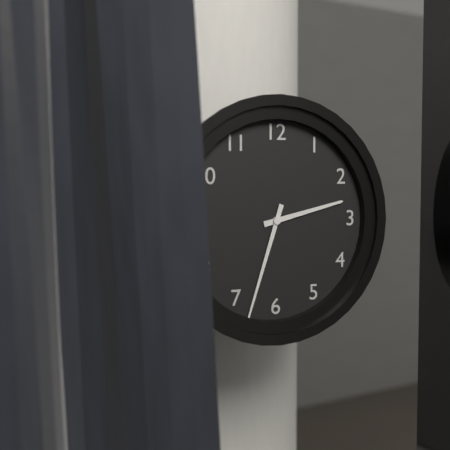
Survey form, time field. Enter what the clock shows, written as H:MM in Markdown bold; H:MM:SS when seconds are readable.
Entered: **2:33**
